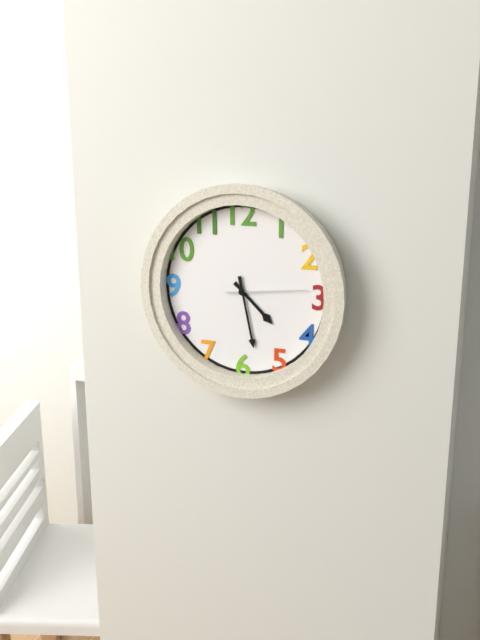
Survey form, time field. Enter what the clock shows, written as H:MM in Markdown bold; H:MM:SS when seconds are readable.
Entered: **4:28:14**
